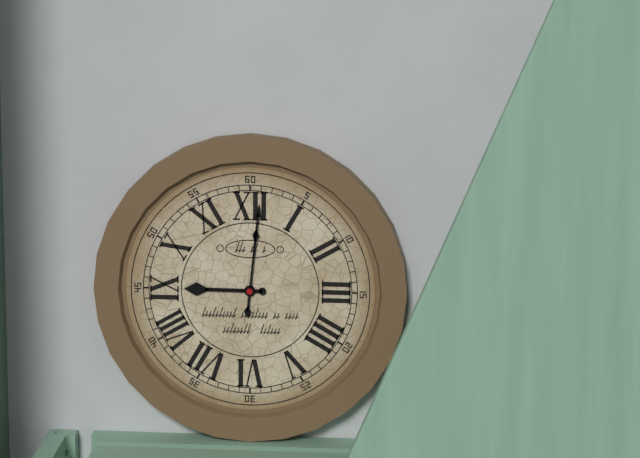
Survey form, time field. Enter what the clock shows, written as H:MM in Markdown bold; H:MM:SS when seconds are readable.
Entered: **9:01**
